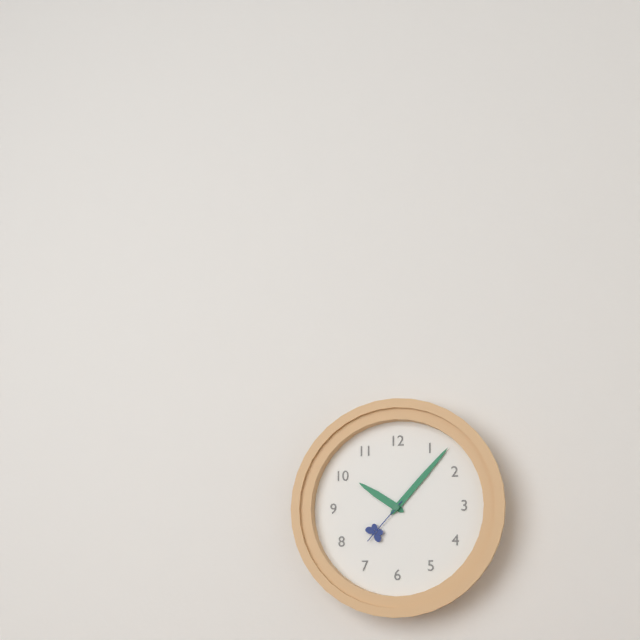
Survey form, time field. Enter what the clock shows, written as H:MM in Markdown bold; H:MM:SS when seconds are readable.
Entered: **10:07:37**
